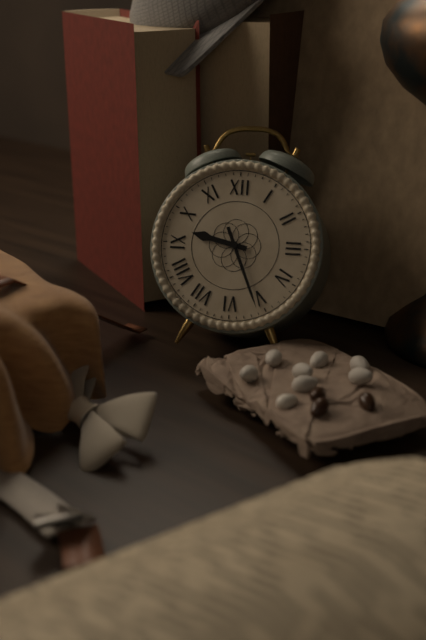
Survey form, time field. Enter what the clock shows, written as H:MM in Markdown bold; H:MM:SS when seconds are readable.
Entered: **9:26**
